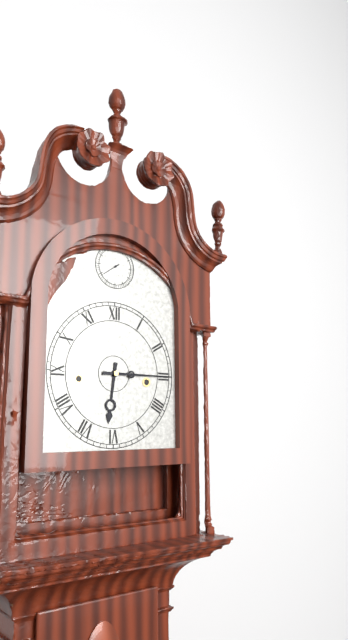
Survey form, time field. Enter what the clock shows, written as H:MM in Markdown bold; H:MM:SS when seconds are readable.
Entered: **6:15**
